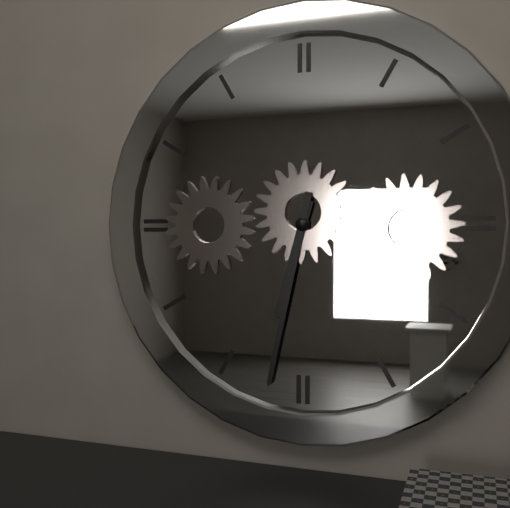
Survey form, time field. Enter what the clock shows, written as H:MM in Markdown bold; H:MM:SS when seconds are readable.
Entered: **6:32**
